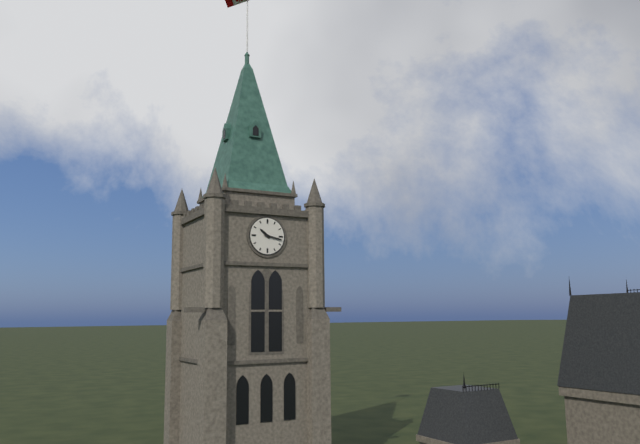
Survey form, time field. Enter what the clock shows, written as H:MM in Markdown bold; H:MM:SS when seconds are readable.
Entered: **10:17**
